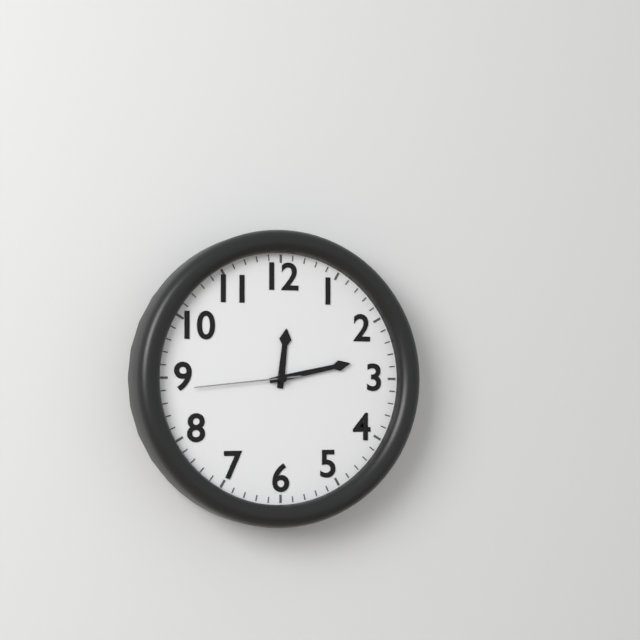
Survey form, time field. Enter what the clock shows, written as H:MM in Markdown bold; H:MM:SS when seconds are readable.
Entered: **12:13:44**
